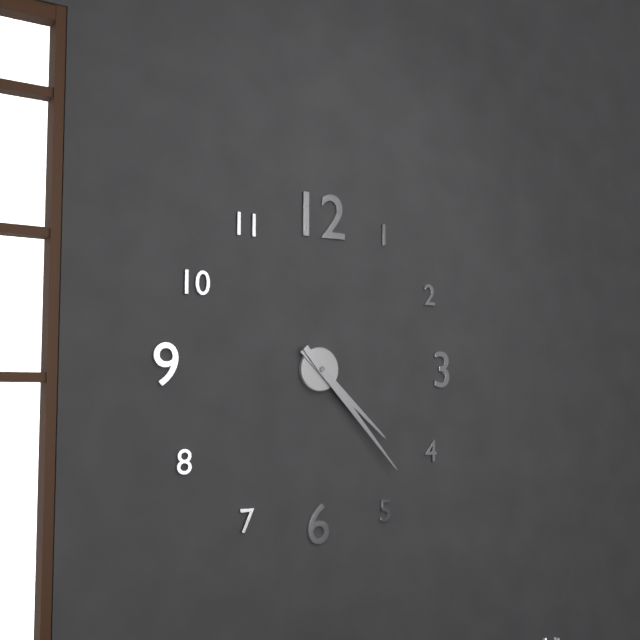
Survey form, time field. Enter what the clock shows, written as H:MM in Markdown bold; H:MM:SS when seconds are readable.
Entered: **4:23**
